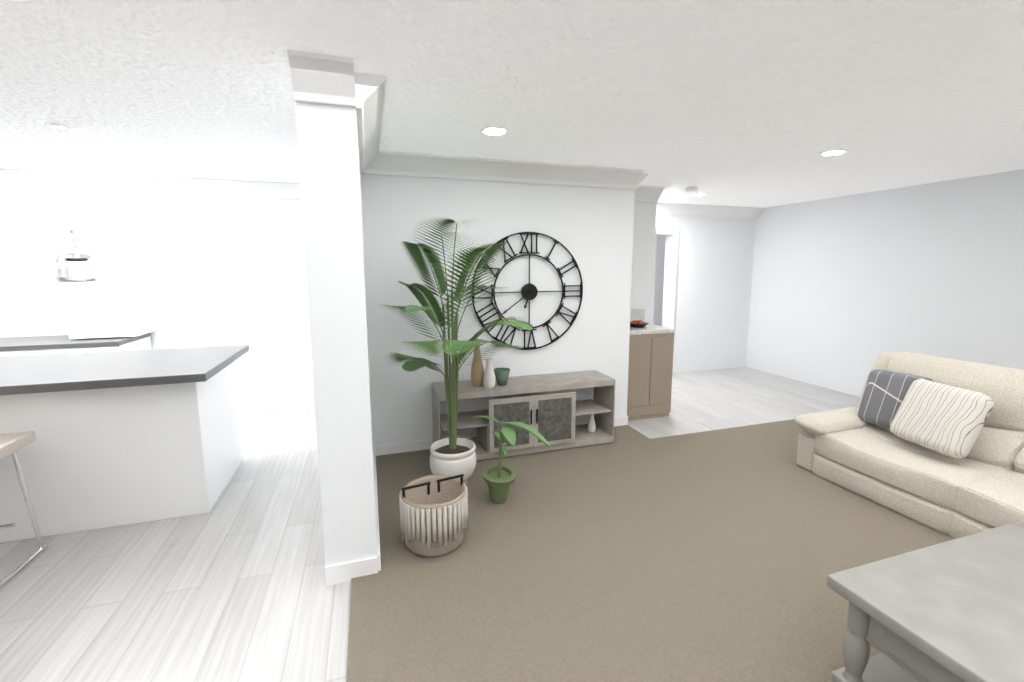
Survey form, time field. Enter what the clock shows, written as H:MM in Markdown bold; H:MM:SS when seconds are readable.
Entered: **6:39**
